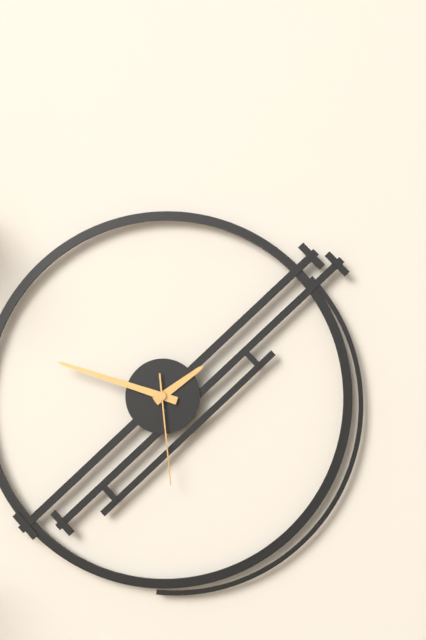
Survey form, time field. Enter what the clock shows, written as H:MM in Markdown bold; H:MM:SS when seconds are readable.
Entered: **1:48:29**
